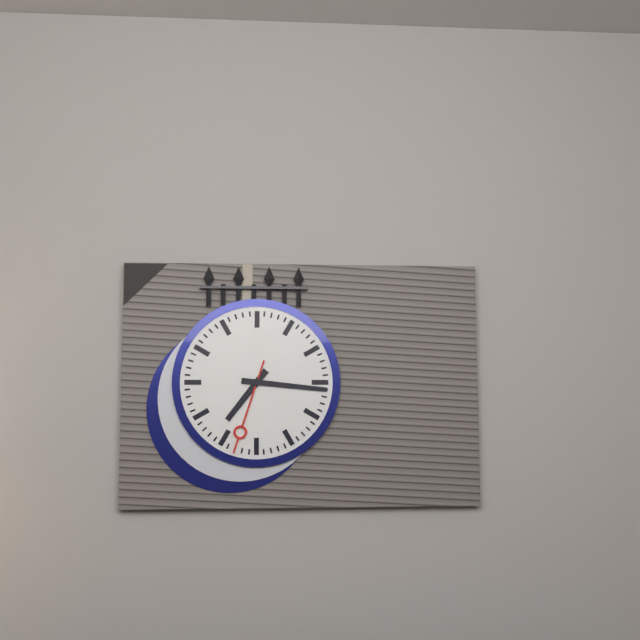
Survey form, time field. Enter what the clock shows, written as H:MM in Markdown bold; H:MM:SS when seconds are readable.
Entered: **7:16:33**
